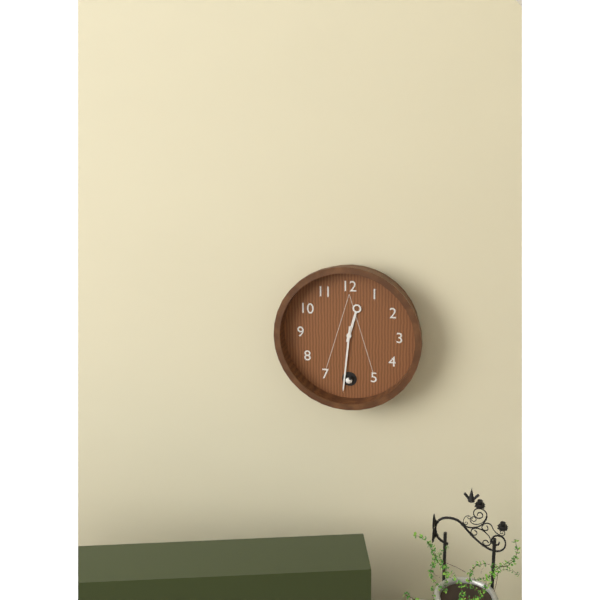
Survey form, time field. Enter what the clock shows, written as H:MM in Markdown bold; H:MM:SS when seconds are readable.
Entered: **12:31**
